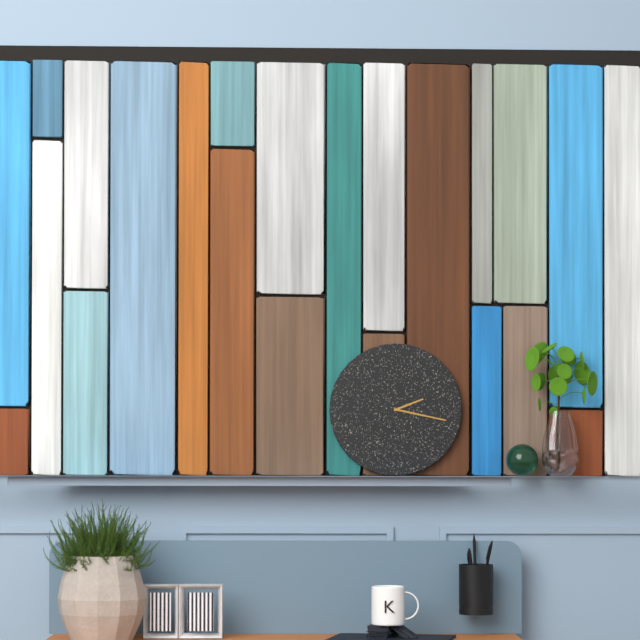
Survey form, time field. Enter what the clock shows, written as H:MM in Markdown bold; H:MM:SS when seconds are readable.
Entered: **2:17**
